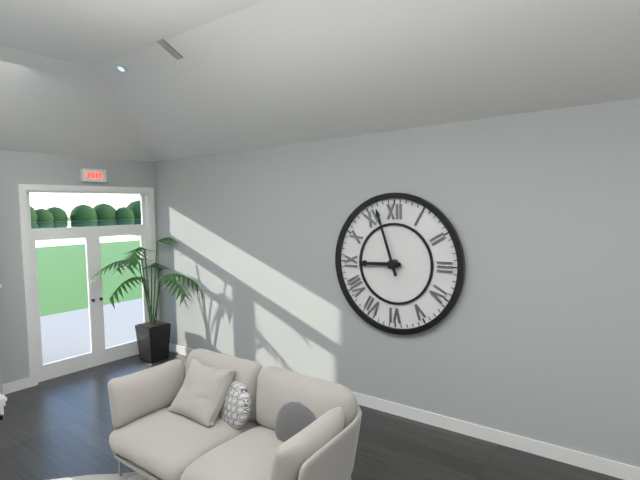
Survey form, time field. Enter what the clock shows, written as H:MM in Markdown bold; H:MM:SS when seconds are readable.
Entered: **8:57**
